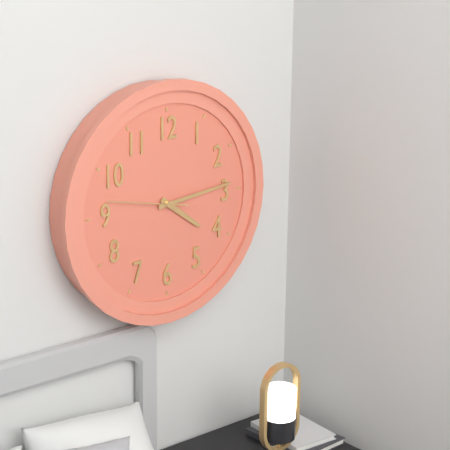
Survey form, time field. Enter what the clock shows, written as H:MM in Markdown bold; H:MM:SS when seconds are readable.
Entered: **4:14:47**
